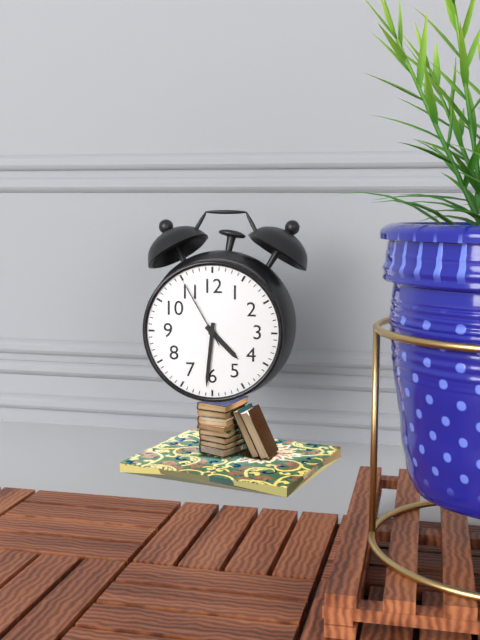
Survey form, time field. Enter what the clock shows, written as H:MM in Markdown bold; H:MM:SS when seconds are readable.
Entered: **4:31:55**
